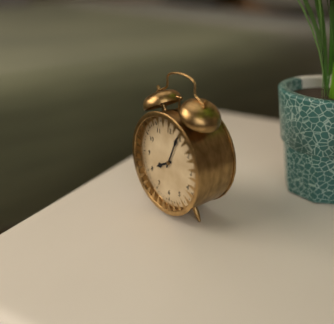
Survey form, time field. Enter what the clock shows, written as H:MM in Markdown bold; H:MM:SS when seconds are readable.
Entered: **8:04**
